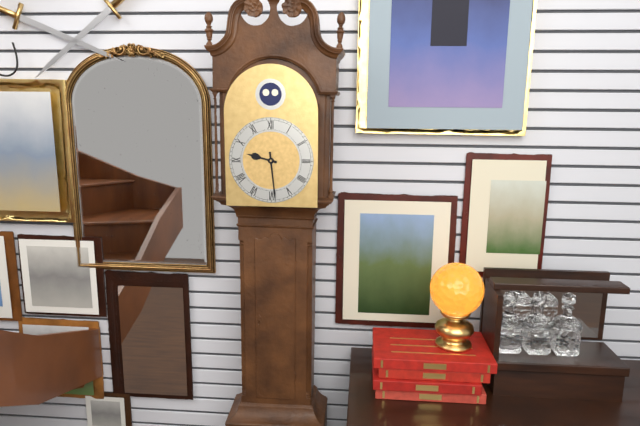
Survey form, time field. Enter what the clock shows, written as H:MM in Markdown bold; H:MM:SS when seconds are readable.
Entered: **9:29**
